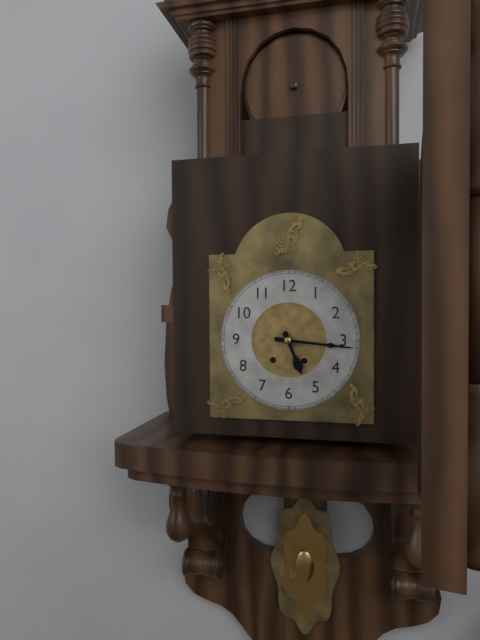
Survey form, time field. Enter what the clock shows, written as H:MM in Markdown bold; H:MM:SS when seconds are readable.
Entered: **5:16**
